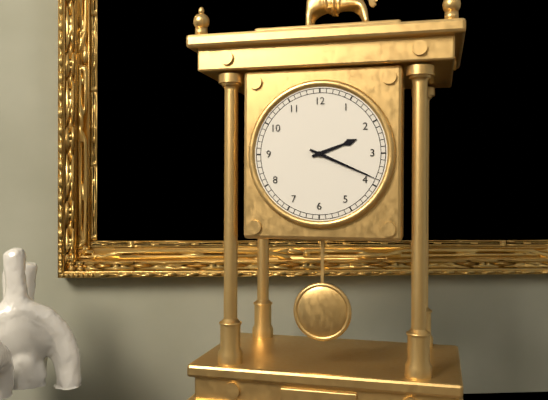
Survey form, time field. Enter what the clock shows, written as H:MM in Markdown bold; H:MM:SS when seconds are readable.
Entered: **2:19**
